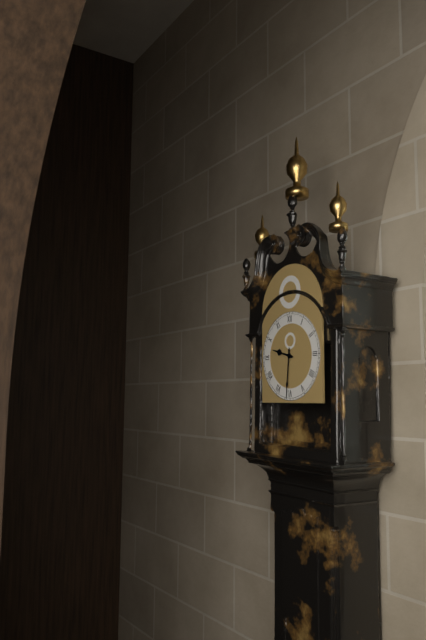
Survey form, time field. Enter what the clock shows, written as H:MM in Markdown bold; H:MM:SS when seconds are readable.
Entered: **9:31**
